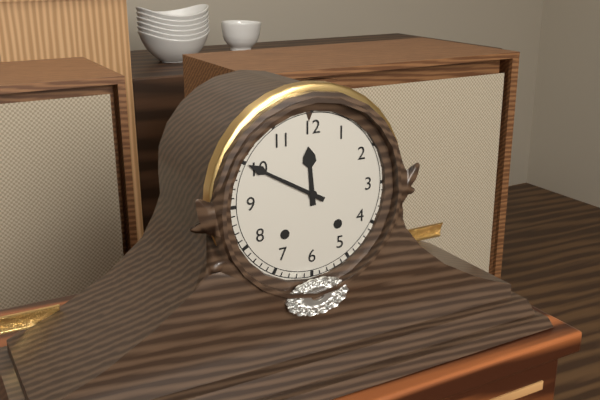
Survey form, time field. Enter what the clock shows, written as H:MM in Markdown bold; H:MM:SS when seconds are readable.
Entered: **11:50**
